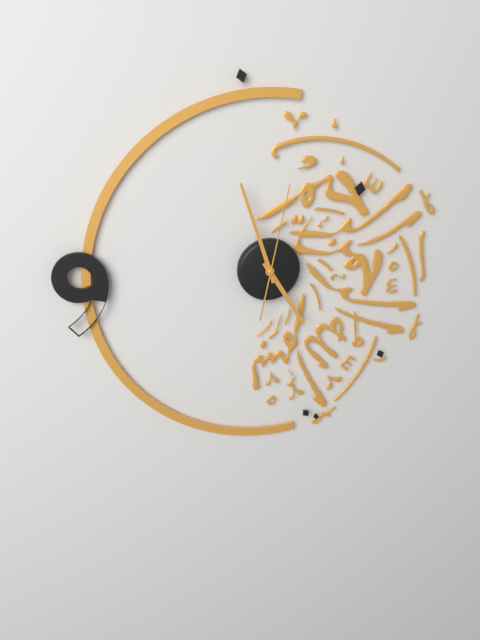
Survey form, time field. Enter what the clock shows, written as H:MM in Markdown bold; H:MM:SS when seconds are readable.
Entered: **4:57:02**
